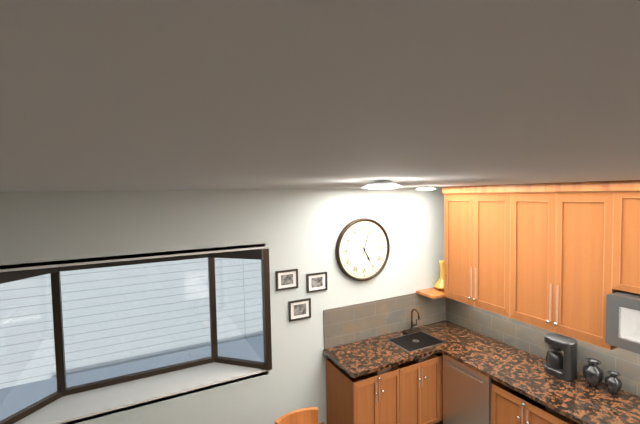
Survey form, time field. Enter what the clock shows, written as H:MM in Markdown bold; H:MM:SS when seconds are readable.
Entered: **5:03**
